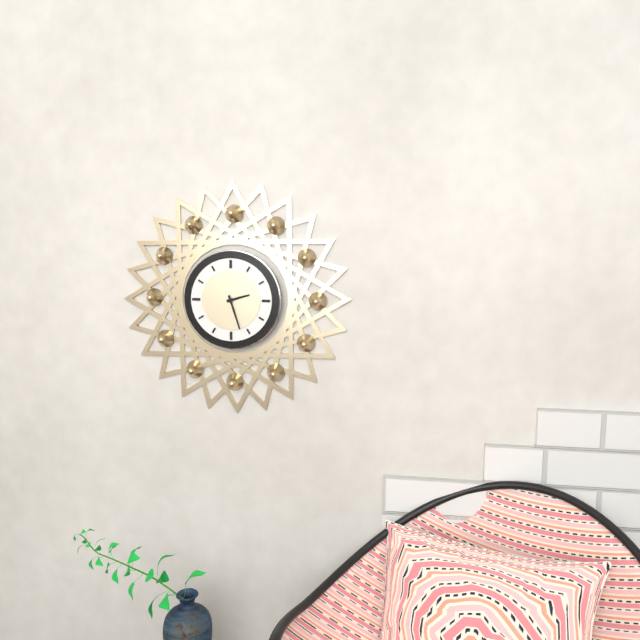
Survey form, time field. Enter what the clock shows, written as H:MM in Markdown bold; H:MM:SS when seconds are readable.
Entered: **2:27**
